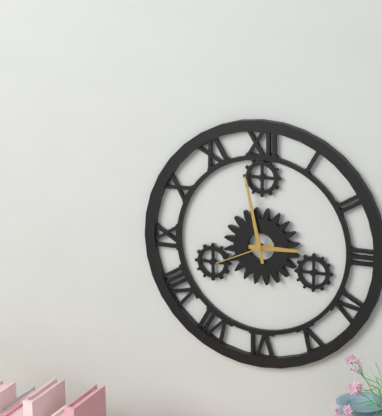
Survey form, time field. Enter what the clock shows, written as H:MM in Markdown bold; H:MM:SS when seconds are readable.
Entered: **2:58:41**
